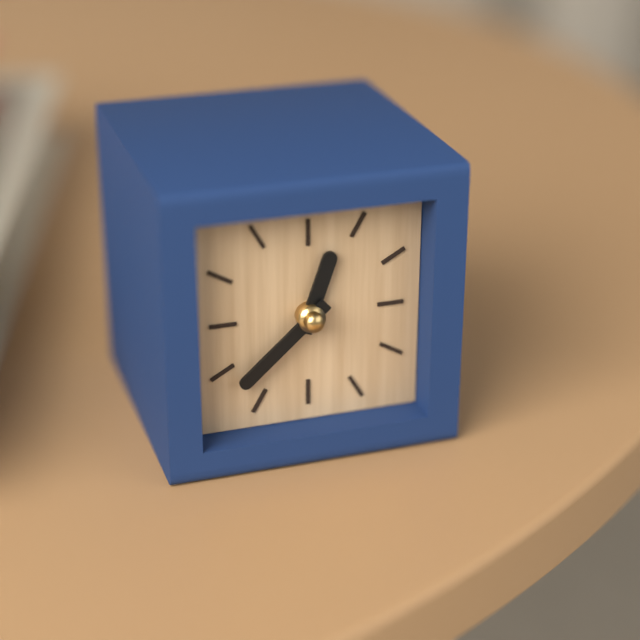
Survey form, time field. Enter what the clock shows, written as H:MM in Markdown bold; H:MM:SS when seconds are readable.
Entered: **12:38**
